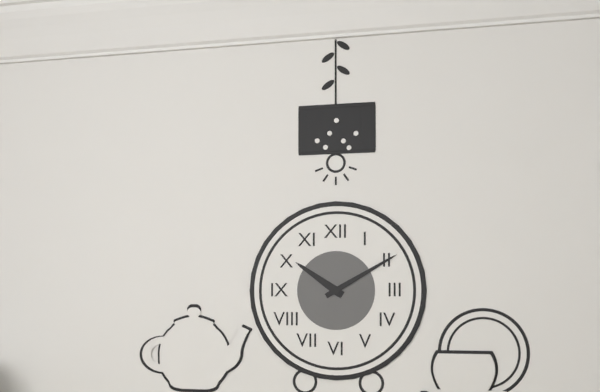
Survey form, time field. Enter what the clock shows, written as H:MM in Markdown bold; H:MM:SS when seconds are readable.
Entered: **10:10**
